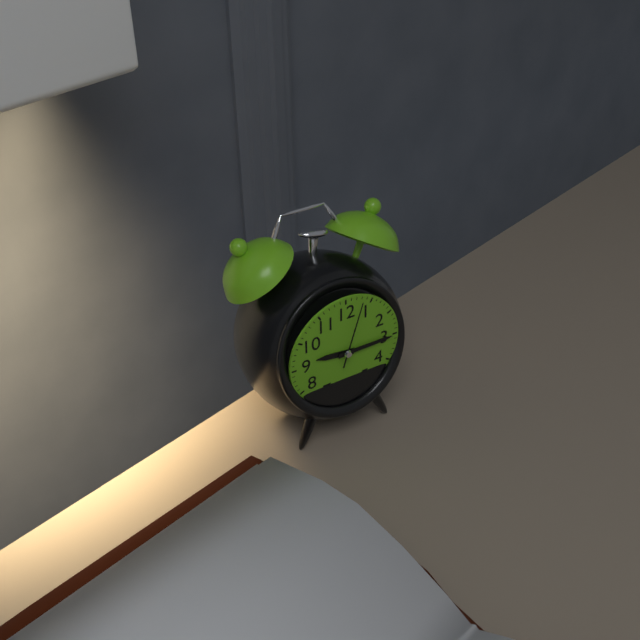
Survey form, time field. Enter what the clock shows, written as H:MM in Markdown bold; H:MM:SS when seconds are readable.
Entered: **9:15:03**
